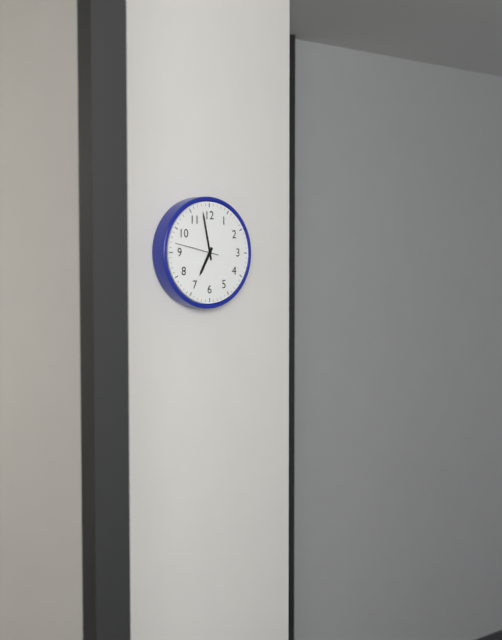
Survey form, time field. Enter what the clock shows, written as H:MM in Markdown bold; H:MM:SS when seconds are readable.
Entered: **6:58**
